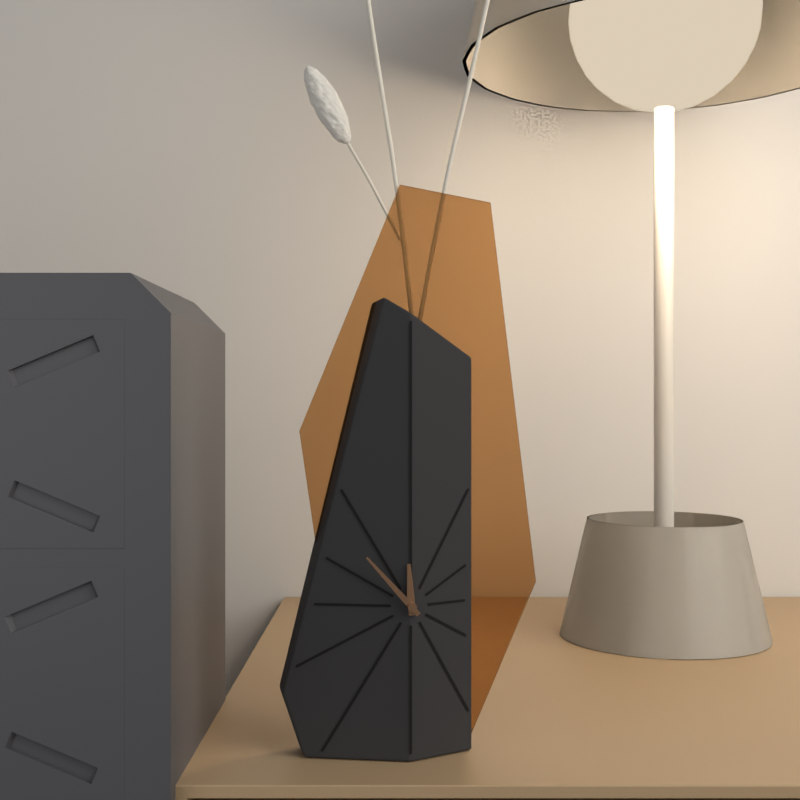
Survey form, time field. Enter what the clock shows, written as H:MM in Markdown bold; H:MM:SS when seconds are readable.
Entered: **11:53**
